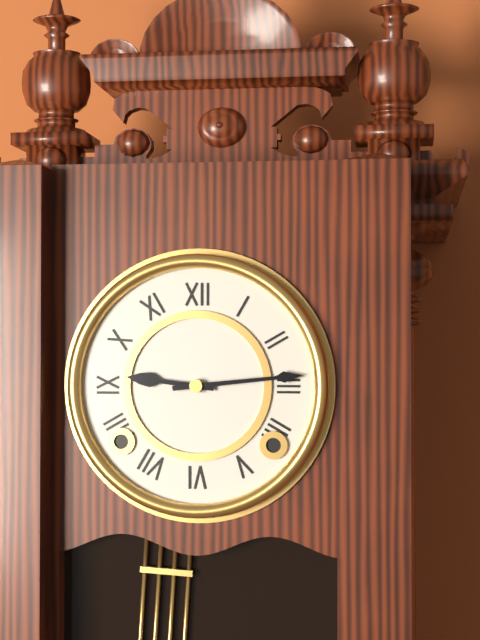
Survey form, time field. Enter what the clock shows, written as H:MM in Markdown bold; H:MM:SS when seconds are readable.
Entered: **9:14**
